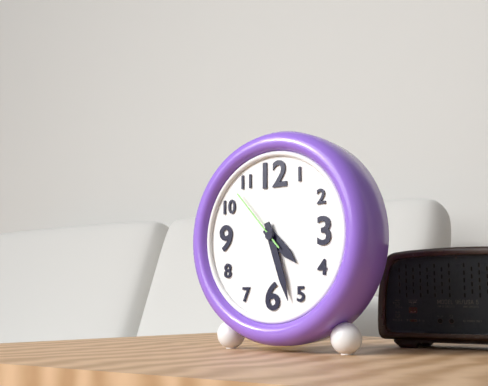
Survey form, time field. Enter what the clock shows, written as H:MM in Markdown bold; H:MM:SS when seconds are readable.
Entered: **4:27:53**
